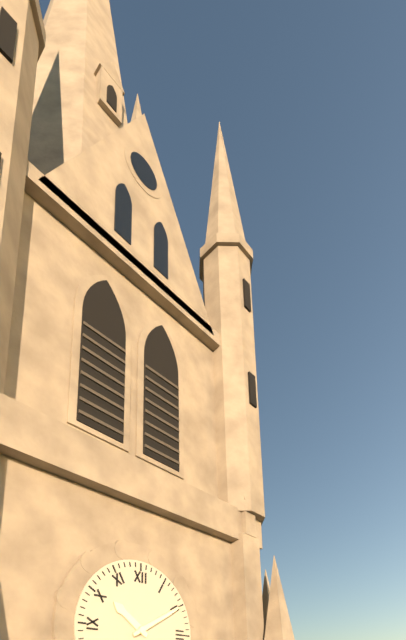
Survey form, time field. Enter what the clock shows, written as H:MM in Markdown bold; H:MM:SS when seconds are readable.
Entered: **10:10**
